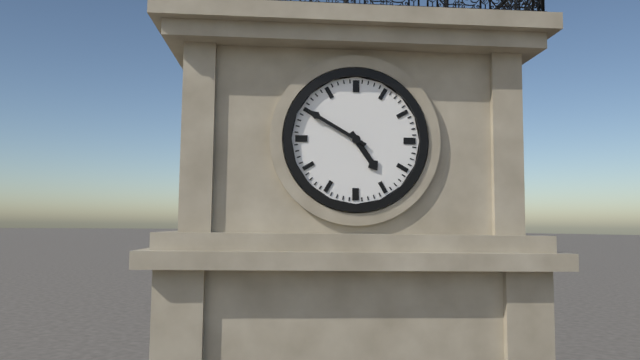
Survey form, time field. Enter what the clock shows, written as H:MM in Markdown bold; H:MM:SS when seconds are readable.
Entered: **4:50**
